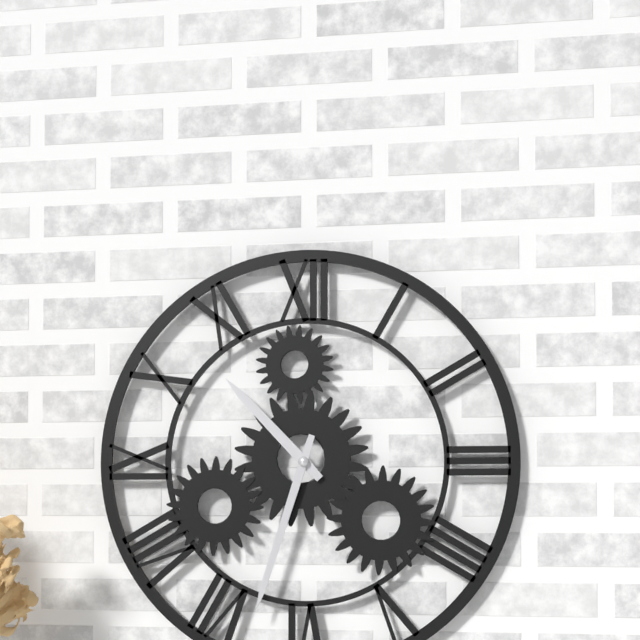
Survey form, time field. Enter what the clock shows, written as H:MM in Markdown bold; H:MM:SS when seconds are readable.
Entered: **10:33**
